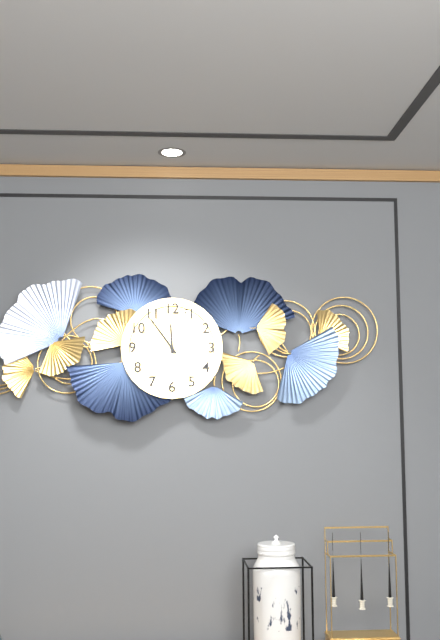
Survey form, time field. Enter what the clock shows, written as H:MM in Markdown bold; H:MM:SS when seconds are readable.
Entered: **11:54**
